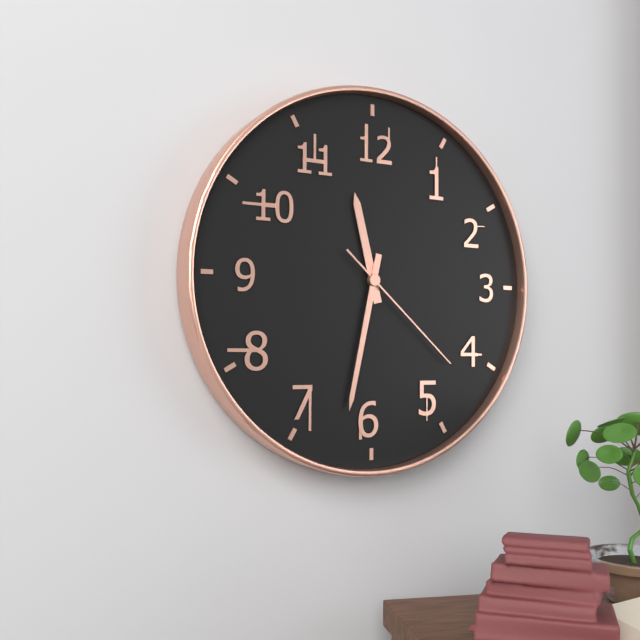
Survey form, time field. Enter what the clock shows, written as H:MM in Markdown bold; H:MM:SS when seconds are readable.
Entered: **11:32:22**
